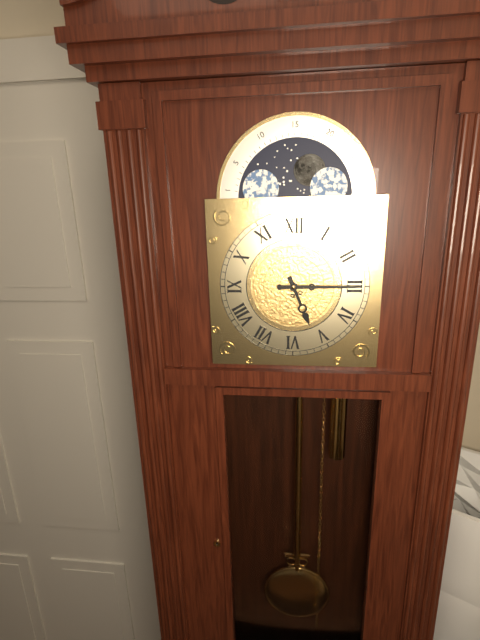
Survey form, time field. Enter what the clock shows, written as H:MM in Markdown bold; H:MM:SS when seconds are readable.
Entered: **5:15**
